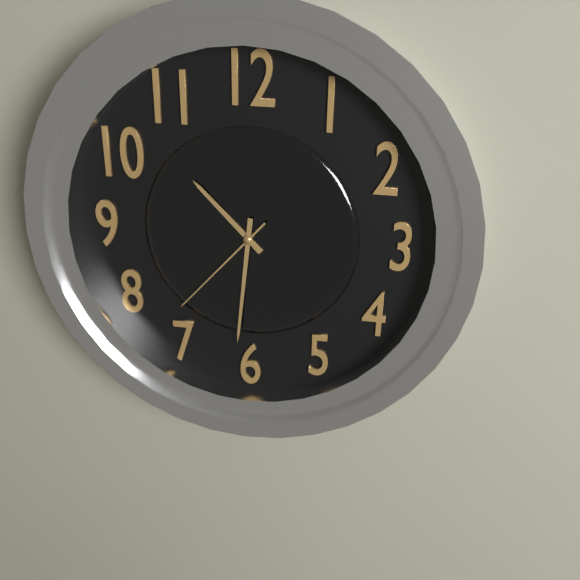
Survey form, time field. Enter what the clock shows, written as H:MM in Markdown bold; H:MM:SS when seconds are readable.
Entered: **10:31:37**
